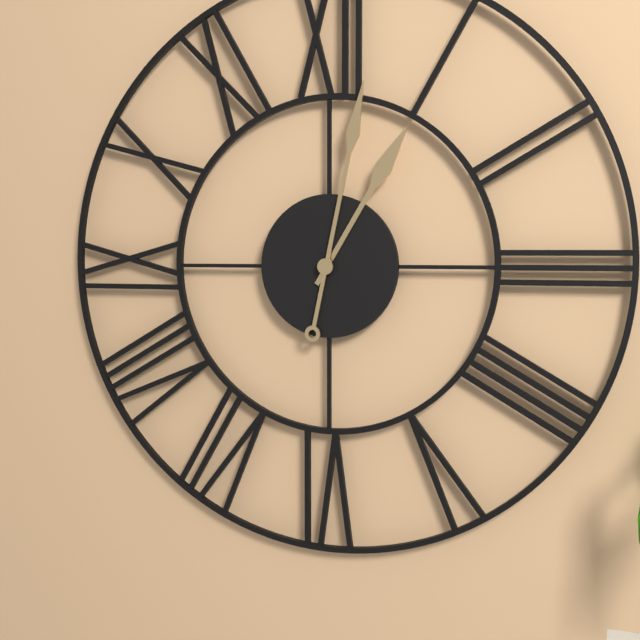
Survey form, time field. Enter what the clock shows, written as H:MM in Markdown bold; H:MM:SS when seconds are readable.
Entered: **1:02**
